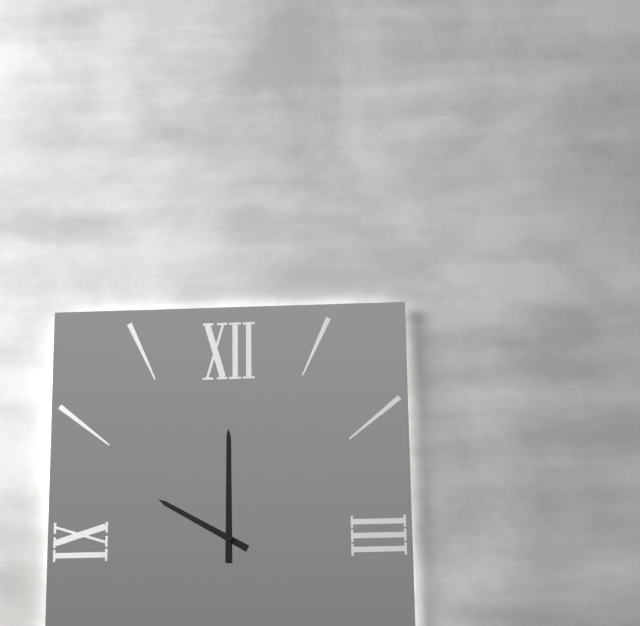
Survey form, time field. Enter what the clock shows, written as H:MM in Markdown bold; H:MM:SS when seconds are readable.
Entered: **10:00**
